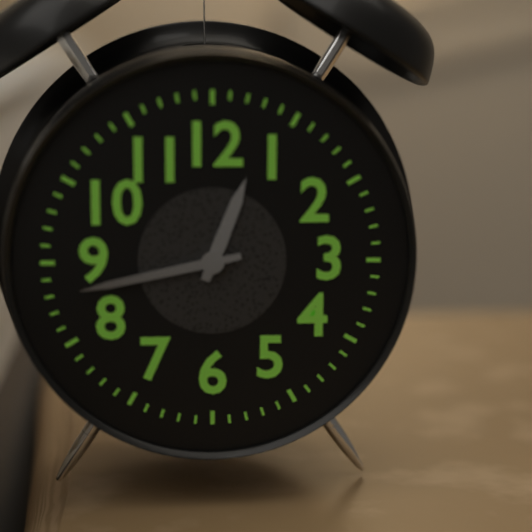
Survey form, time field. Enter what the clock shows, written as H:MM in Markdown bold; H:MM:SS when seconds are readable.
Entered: **12:43**
